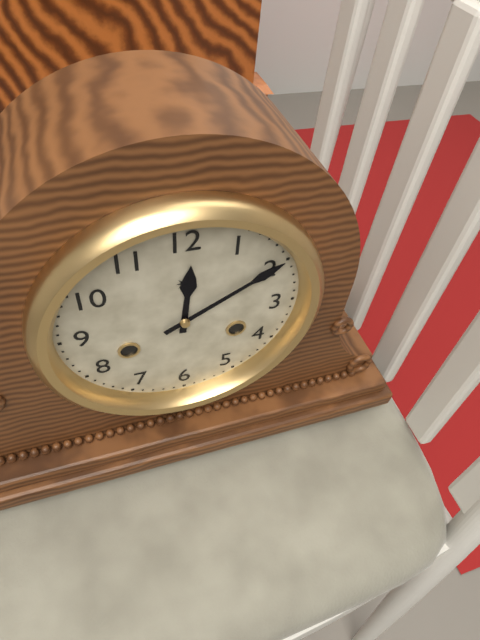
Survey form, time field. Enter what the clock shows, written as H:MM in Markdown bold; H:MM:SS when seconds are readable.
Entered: **12:10**
